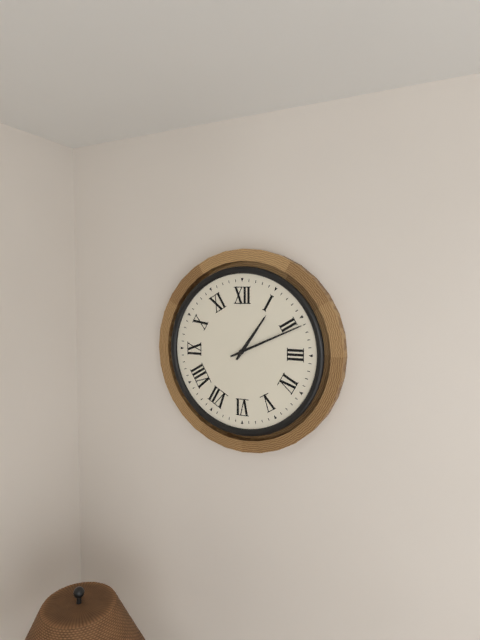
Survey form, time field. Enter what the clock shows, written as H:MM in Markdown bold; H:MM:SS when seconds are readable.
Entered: **1:11**
